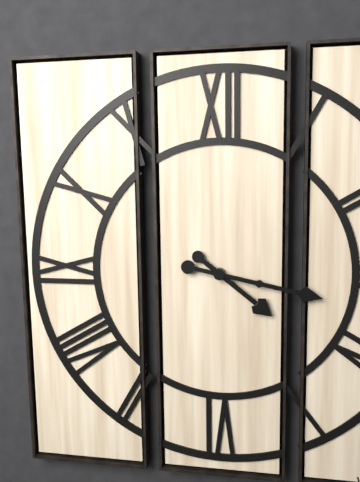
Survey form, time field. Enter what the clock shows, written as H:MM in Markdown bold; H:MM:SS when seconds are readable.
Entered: **4:17**
